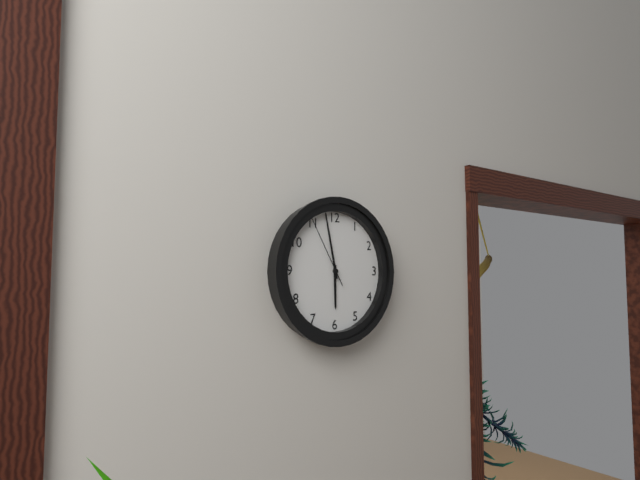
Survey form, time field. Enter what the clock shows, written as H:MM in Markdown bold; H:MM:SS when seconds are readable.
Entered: **5:58:55**
